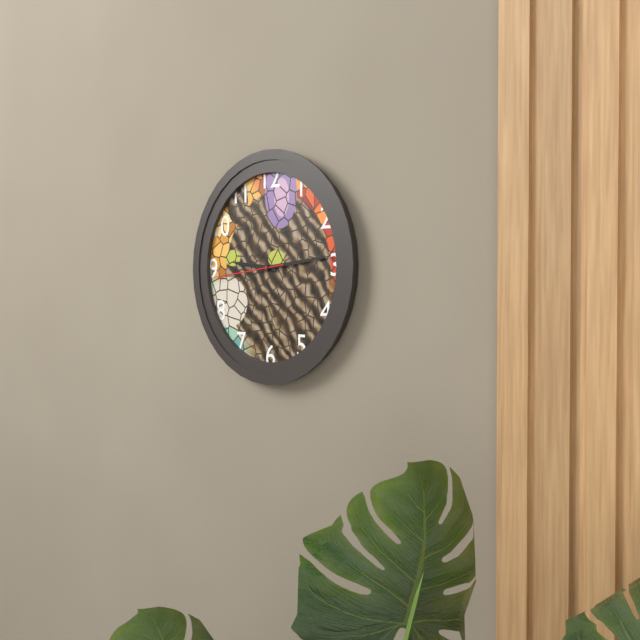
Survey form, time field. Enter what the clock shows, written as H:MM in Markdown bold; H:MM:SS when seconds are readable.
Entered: **9:14:44**
